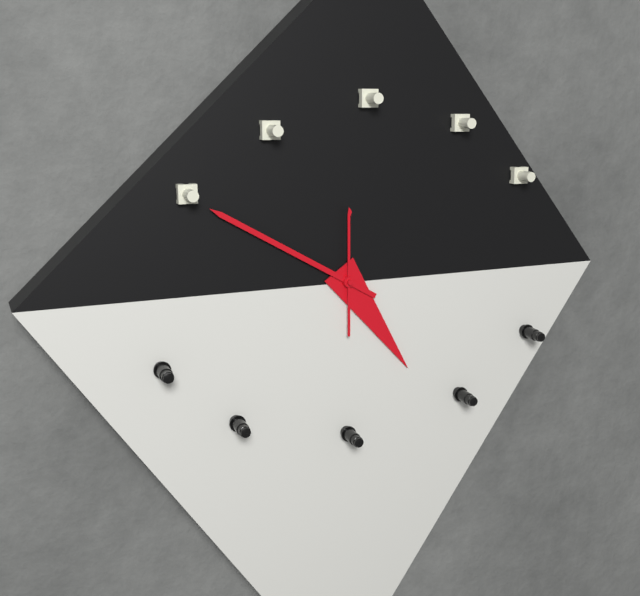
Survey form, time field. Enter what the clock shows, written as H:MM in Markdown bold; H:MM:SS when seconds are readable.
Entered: **4:50:00**
